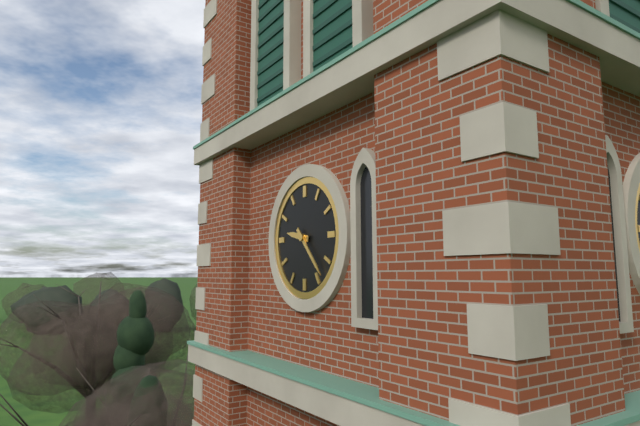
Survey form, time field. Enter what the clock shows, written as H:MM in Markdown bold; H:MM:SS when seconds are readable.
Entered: **9:23**
